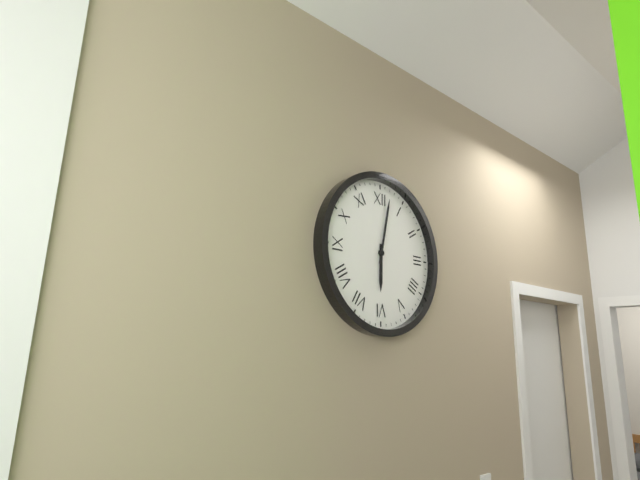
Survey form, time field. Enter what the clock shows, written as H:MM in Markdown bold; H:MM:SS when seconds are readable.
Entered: **6:02**
